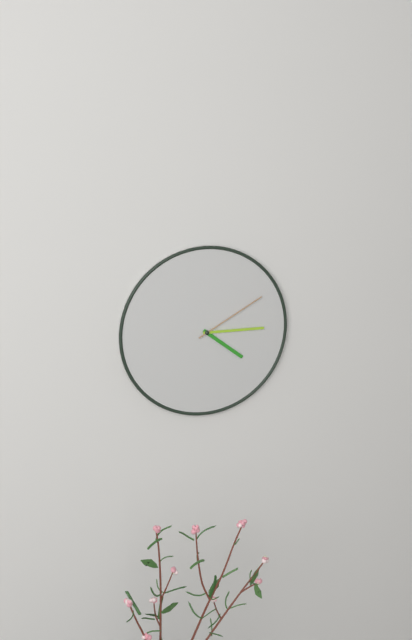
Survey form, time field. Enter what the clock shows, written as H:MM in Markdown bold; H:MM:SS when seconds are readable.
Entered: **4:15:10**
